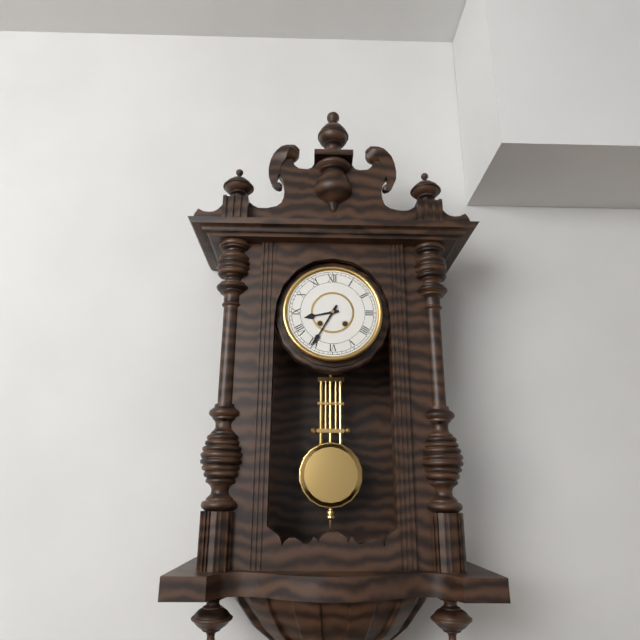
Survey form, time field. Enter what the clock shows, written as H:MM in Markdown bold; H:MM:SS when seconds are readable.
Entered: **8:35**
